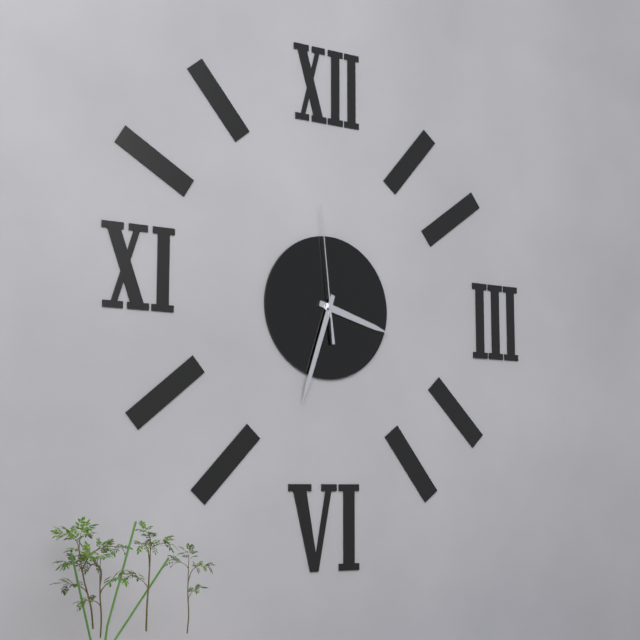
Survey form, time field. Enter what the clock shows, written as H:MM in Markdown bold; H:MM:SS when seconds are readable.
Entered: **3:33:59**
